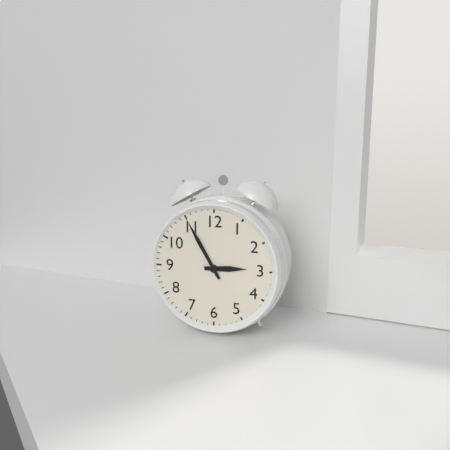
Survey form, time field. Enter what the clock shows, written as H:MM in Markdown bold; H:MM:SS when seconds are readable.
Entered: **2:55**
